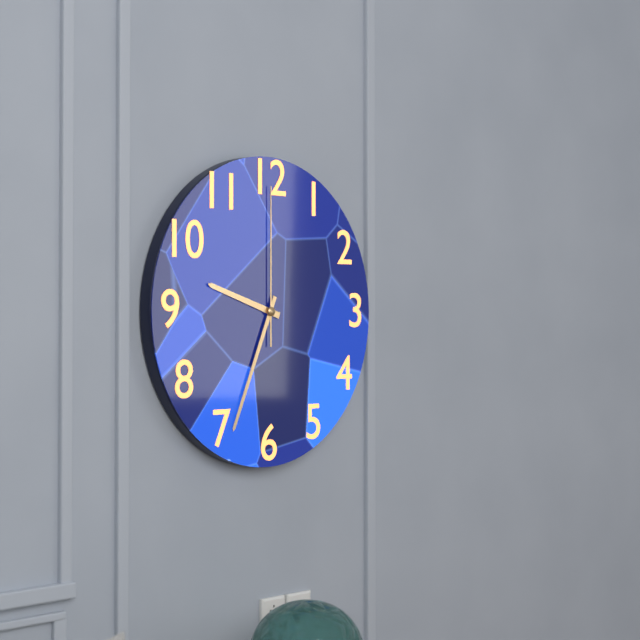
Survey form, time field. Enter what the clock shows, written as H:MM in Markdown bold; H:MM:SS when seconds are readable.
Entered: **9:34:00**
